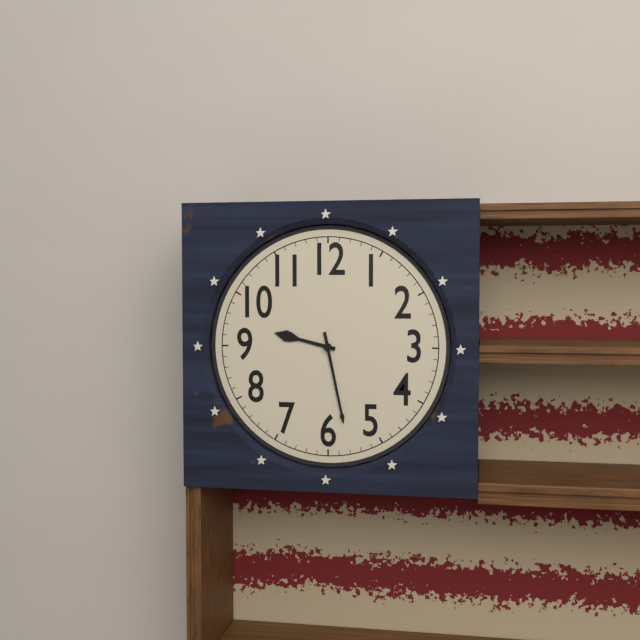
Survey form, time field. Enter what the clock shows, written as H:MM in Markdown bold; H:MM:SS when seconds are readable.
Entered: **9:28**
